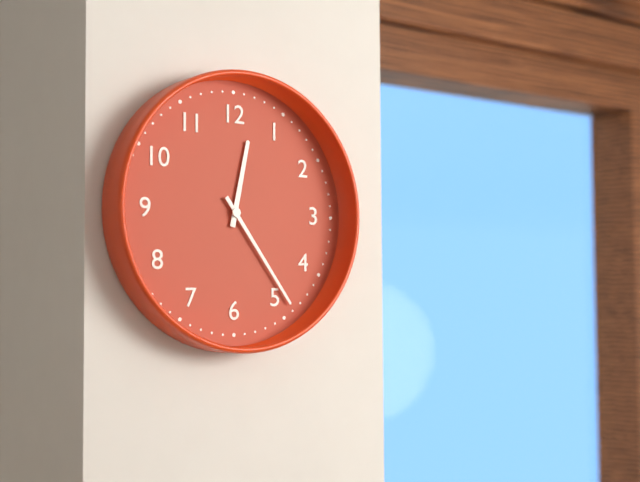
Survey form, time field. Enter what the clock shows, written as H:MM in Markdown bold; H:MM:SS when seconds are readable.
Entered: **12:24**
